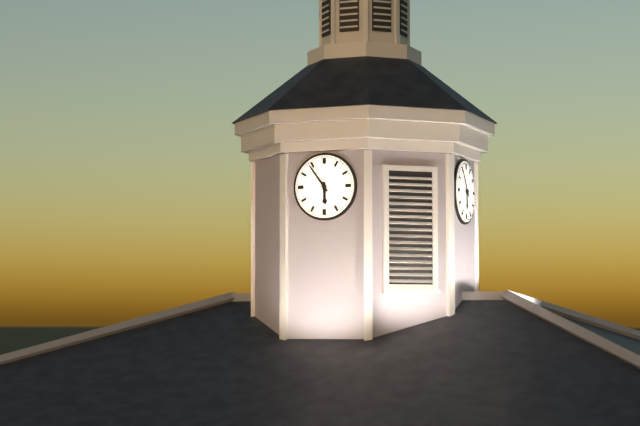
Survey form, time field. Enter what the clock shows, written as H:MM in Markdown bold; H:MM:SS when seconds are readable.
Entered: **5:54**
